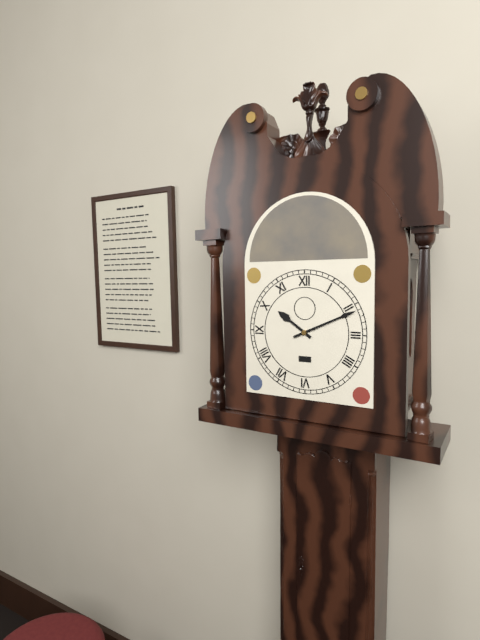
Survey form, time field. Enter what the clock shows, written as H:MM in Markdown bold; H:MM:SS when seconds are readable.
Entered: **10:11**
